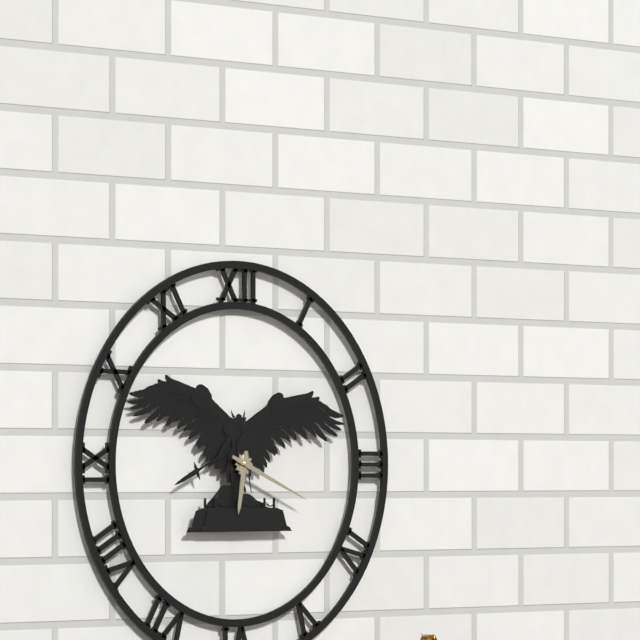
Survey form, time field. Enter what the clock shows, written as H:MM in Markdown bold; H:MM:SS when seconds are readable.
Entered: **6:19**
